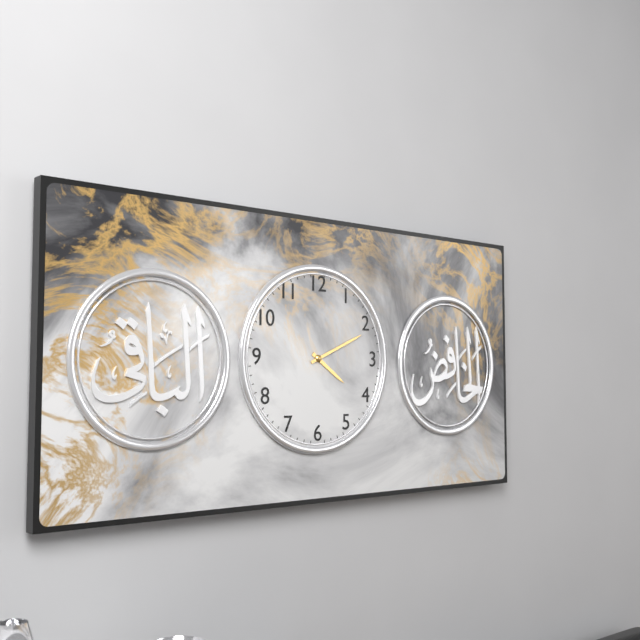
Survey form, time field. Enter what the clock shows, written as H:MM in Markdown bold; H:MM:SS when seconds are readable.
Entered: **4:11**
